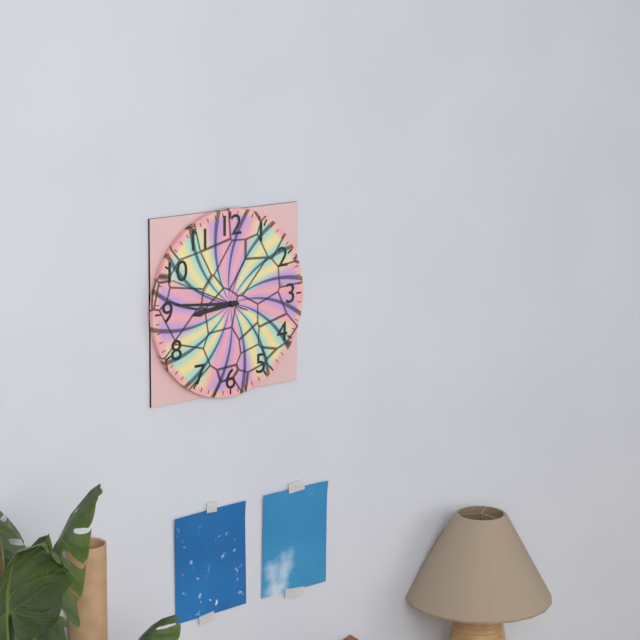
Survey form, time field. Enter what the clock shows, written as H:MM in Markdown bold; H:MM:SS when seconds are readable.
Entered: **8:46:49**
